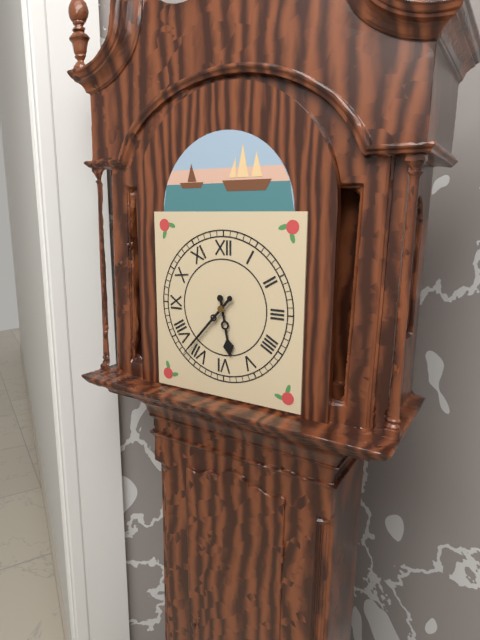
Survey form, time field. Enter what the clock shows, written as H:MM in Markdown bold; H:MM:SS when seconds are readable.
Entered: **5:37**
